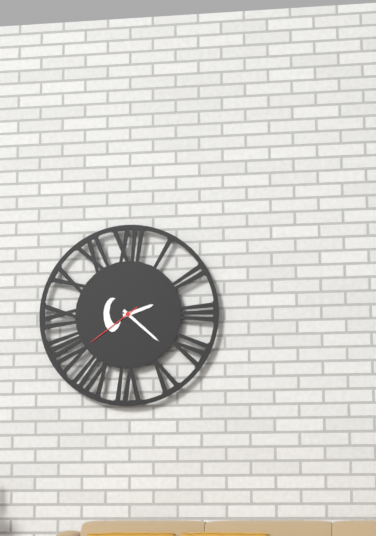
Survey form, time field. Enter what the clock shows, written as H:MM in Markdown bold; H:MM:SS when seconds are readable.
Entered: **2:22:39**
